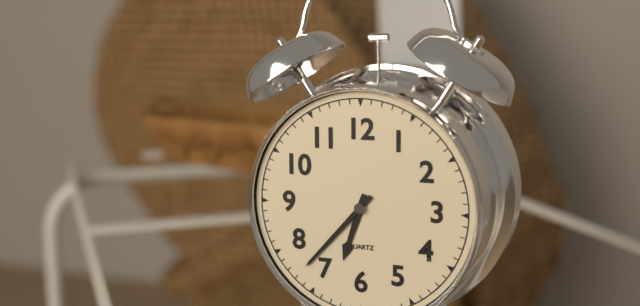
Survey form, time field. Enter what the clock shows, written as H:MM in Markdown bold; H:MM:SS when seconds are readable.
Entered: **6:37**
